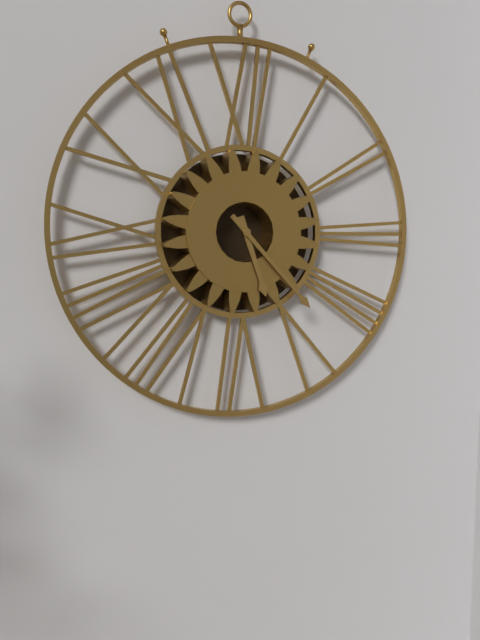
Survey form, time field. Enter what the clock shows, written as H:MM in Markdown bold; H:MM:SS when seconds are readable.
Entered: **5:23**
